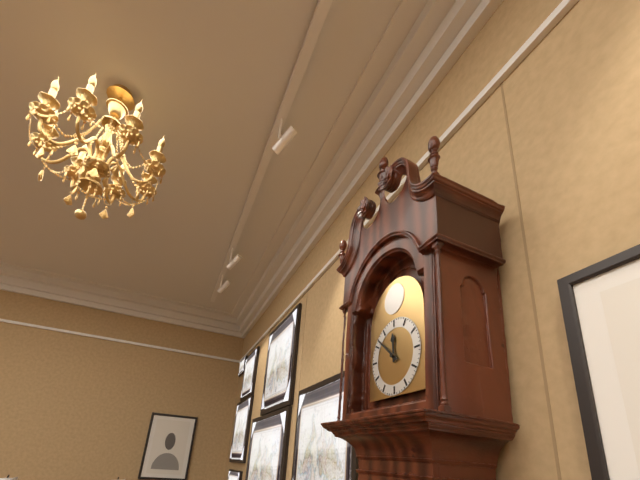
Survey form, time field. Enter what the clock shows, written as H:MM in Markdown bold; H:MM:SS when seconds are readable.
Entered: **11:52**
